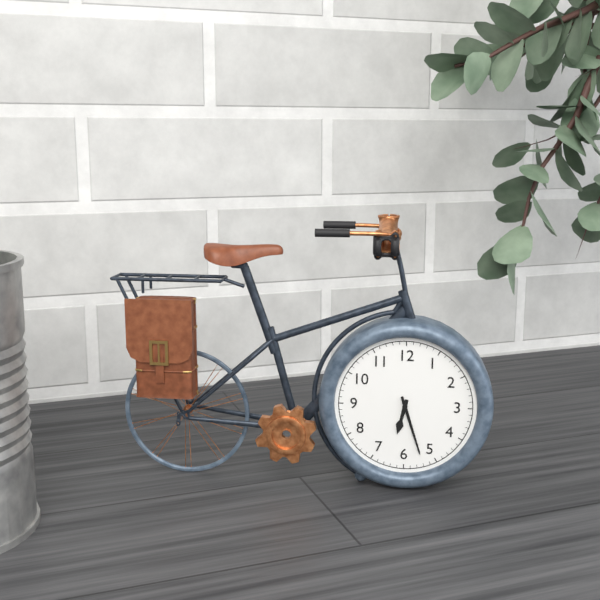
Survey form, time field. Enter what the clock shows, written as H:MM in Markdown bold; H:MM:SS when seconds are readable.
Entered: **6:27**
